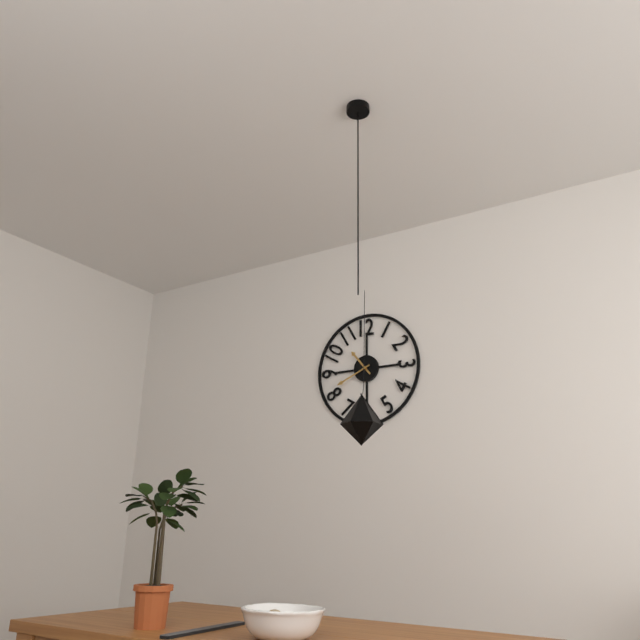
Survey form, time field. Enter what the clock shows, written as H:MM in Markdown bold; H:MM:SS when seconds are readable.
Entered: **10:41**
